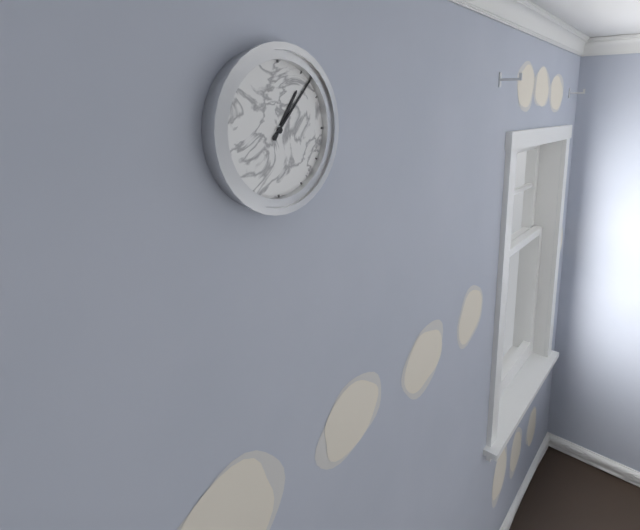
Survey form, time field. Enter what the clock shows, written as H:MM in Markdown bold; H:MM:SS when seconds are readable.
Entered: **1:07**
